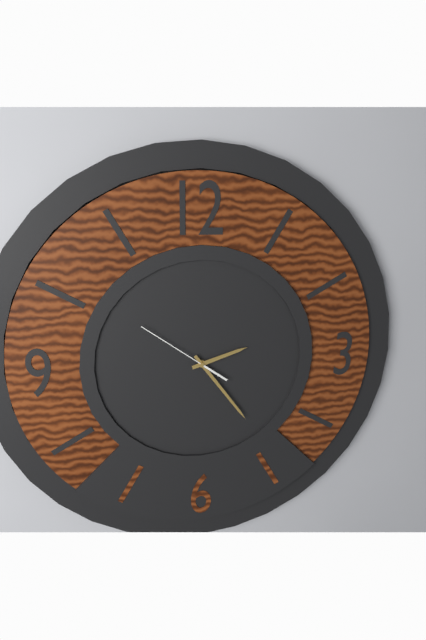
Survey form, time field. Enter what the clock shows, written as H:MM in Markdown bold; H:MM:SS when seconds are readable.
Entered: **2:24:51**
